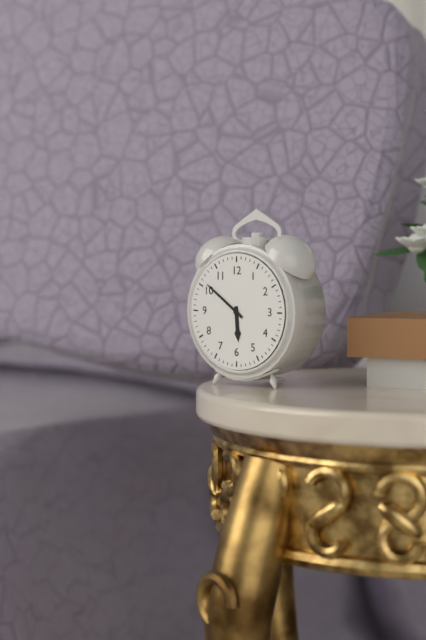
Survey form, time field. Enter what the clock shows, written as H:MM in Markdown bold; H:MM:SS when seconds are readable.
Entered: **5:51**
